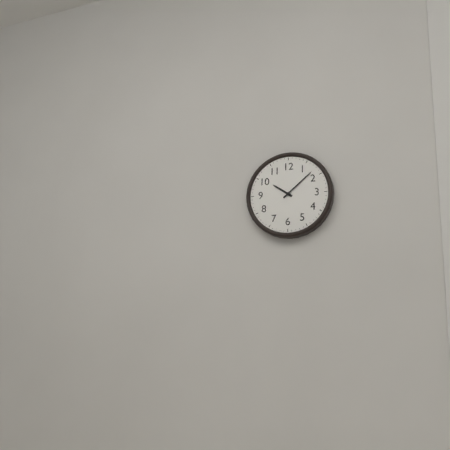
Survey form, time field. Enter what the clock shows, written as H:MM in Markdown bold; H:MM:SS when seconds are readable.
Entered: **10:08**
